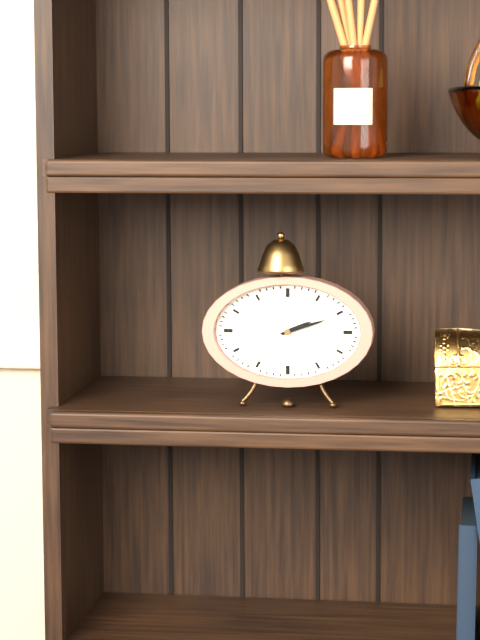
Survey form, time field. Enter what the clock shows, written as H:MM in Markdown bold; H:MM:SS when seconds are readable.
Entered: **2:12**
